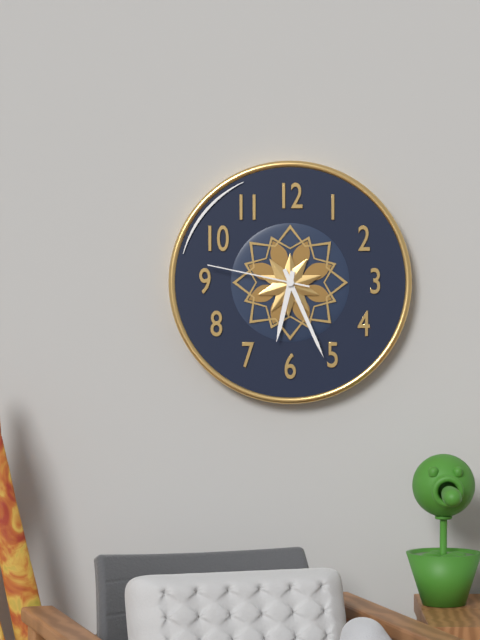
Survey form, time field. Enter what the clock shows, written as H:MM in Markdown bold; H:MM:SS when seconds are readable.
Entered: **6:26:47**
